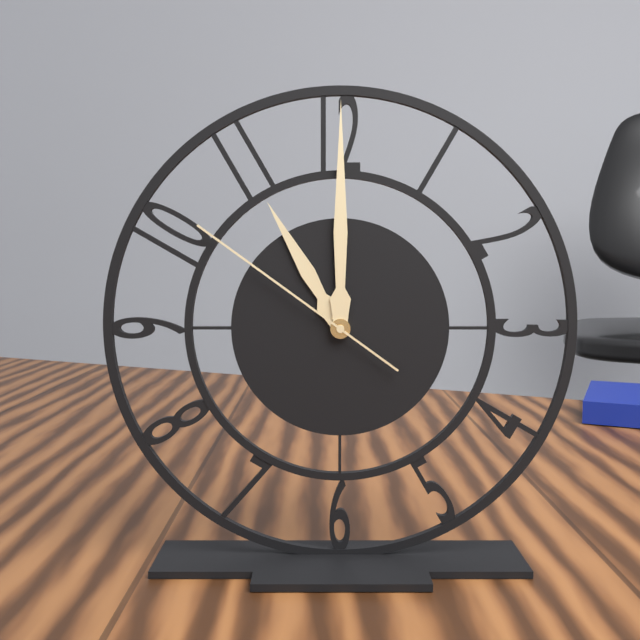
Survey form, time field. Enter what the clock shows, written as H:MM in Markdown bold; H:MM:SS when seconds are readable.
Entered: **11:00:51**
